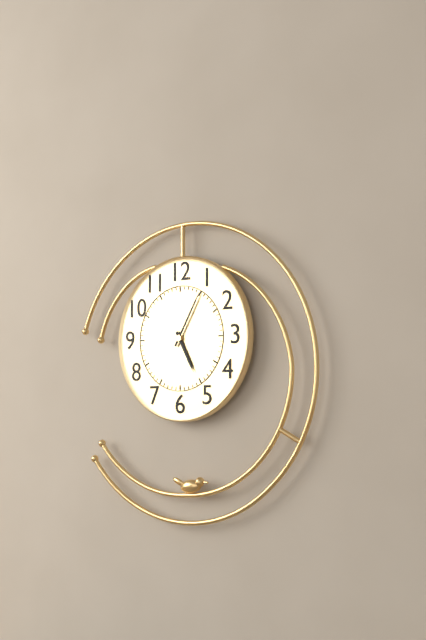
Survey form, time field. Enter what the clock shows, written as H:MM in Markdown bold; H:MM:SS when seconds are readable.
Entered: **5:05**
